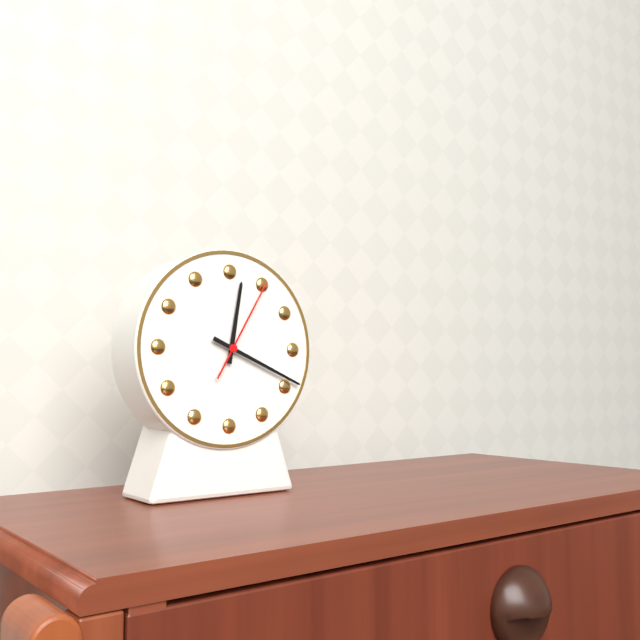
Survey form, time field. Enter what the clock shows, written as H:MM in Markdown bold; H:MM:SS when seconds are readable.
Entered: **12:19:05**
